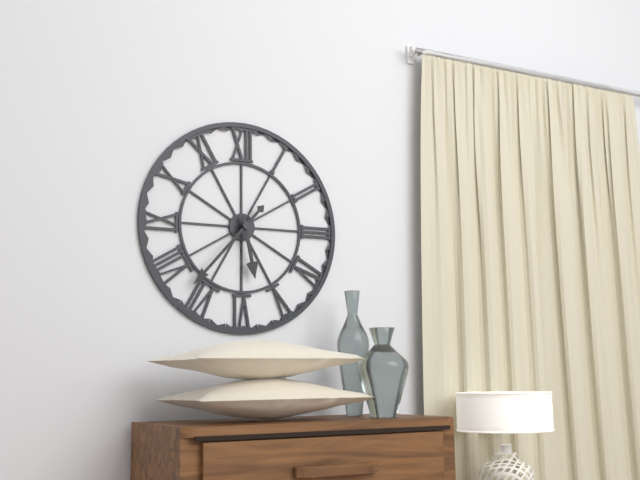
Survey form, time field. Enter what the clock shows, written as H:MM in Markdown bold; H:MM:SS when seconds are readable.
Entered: **5:37**
